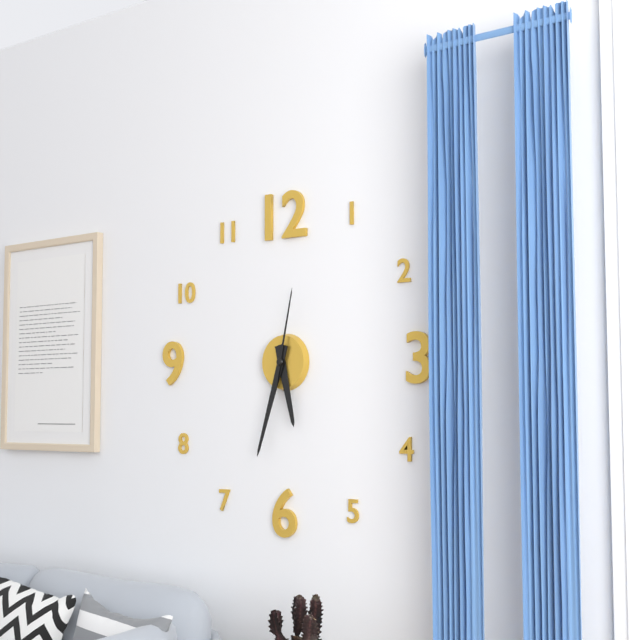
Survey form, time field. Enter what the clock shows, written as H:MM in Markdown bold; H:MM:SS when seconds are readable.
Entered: **5:33:02**
